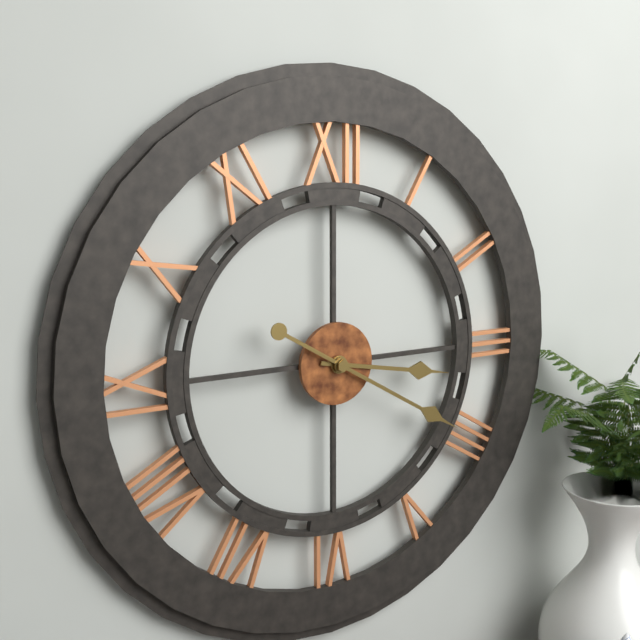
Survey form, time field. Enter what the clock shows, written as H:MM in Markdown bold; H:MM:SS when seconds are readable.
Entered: **3:20**
